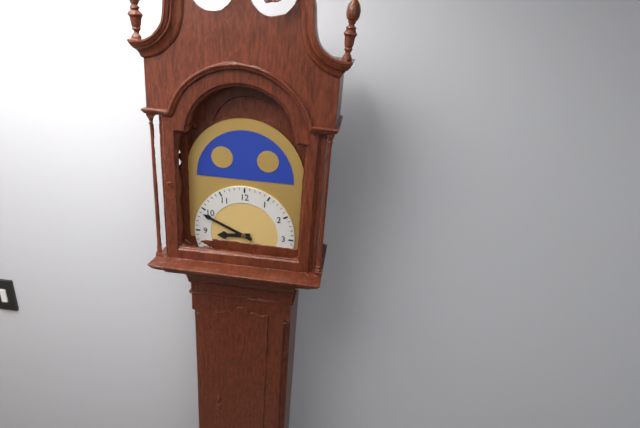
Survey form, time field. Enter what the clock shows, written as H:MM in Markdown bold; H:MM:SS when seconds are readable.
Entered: **8:49**
